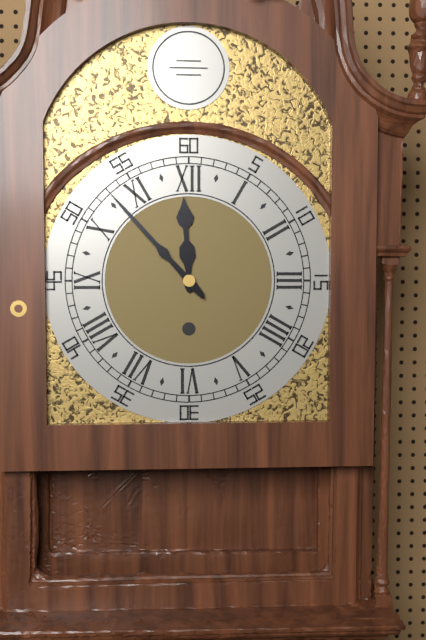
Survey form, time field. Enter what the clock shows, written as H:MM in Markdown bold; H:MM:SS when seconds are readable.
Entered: **11:53**
